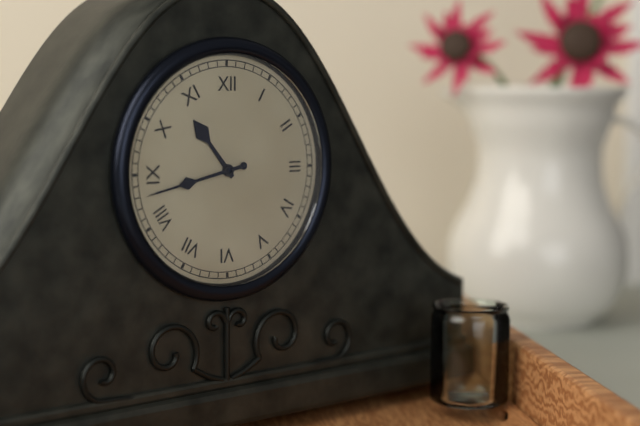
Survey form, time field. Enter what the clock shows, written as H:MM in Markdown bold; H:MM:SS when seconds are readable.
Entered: **10:43**
